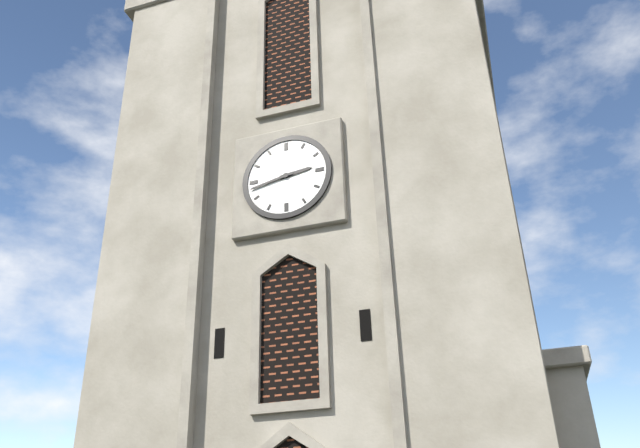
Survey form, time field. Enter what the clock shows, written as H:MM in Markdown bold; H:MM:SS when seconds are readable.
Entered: **2:43**
